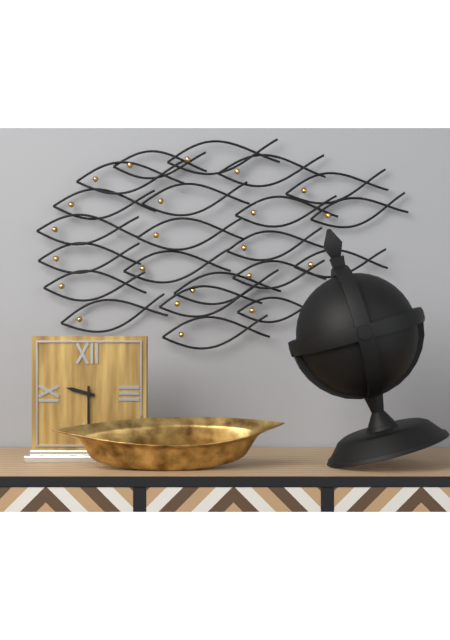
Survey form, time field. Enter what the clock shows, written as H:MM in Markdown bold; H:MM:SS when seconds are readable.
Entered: **9:30**
